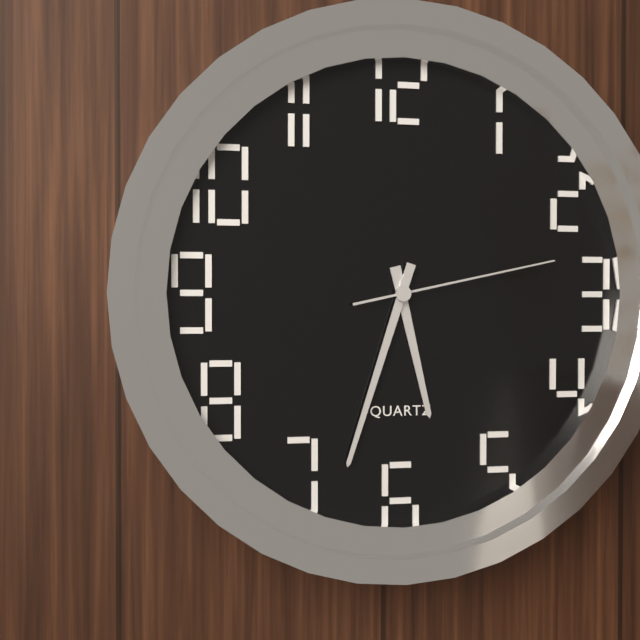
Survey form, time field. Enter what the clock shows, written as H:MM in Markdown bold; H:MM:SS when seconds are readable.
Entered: **5:33:13**
